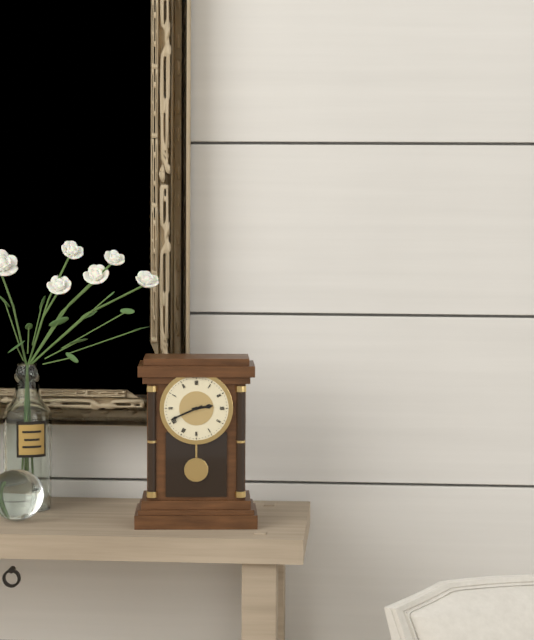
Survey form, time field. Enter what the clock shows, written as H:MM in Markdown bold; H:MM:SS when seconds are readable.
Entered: **2:41**
